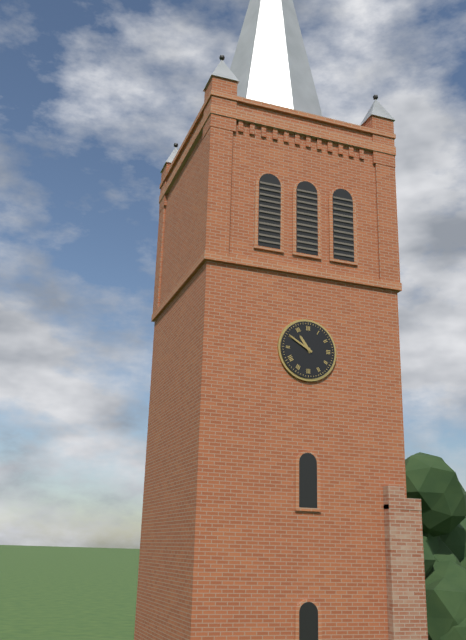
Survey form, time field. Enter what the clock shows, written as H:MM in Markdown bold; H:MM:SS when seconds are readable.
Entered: **10:50**
